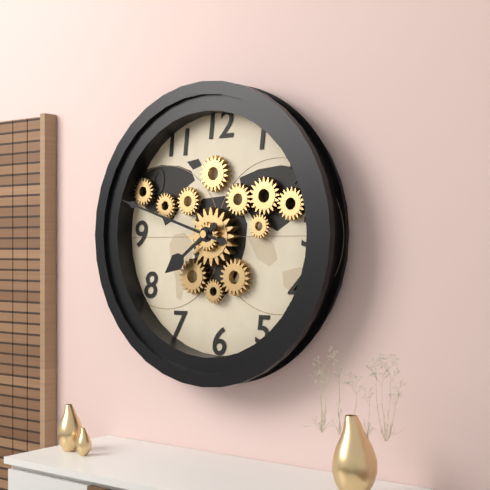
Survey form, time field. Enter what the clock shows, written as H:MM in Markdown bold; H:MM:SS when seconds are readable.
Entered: **7:48**
